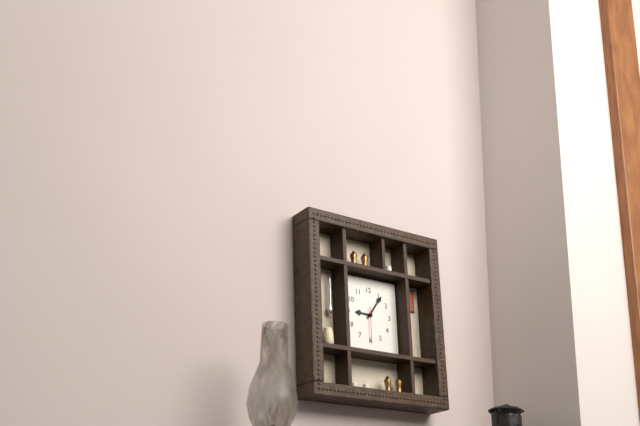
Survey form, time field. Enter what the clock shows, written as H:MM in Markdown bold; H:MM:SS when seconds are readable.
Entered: **9:06**
